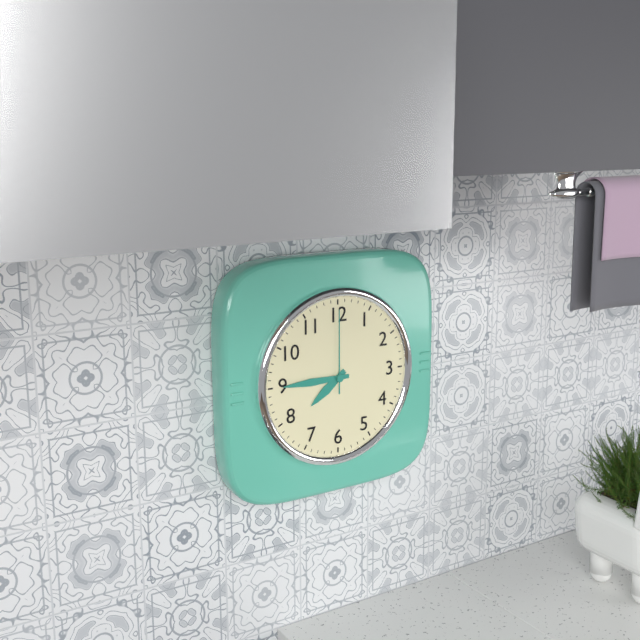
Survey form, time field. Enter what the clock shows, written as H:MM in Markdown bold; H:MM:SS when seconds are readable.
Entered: **7:45:00**
